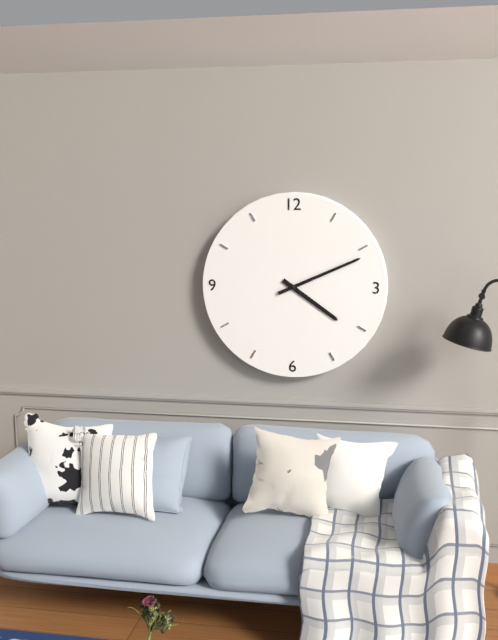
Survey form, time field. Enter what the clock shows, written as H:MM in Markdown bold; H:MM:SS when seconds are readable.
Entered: **4:11**
